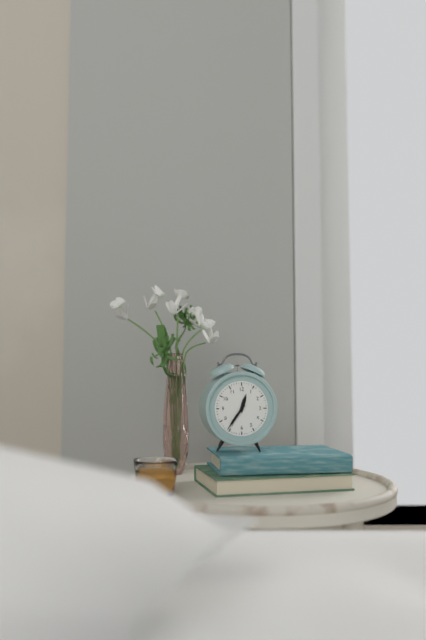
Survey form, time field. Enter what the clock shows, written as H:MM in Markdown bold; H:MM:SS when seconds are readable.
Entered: **12:36**
